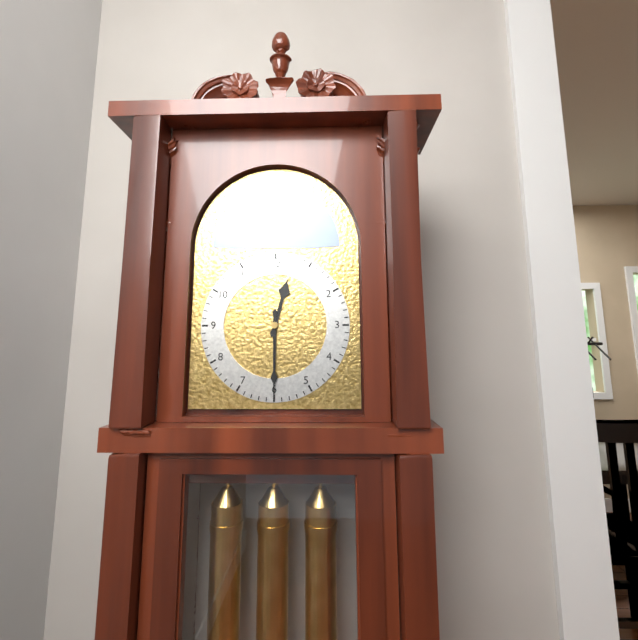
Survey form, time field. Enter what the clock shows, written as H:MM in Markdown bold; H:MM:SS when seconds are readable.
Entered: **12:30**
